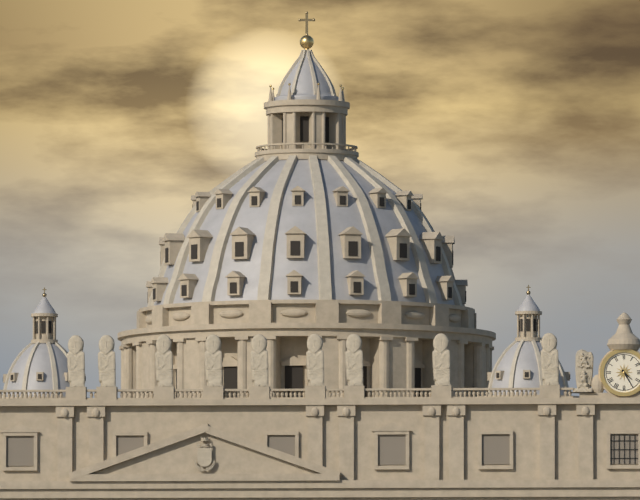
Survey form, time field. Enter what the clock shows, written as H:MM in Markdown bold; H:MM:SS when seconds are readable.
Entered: **4:25**
